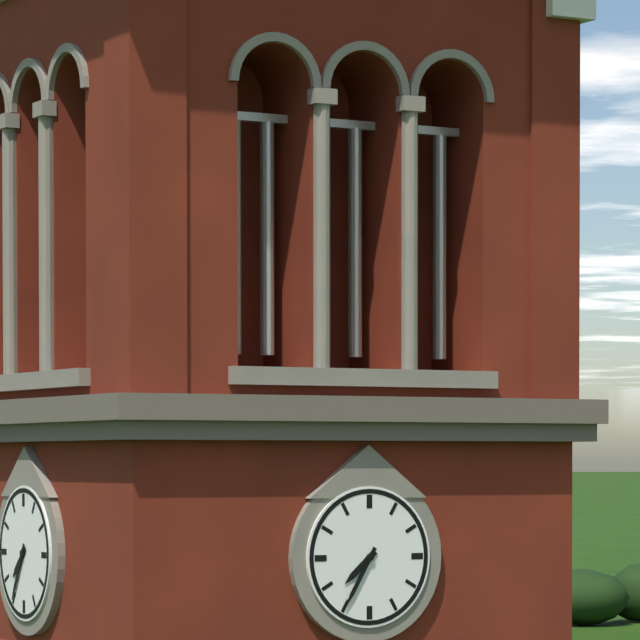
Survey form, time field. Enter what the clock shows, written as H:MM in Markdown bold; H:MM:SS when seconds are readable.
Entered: **7:35**
